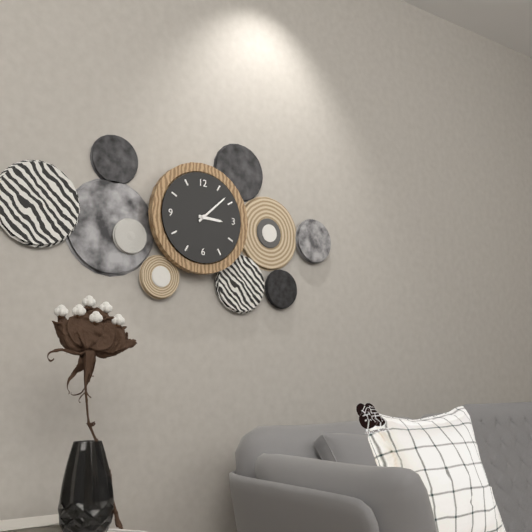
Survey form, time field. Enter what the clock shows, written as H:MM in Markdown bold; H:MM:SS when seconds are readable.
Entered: **3:08**
